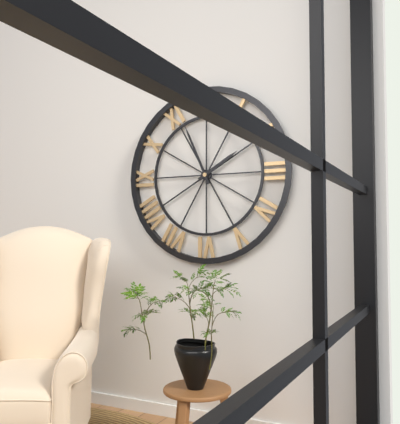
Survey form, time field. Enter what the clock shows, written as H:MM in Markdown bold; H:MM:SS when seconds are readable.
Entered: **1:56**
